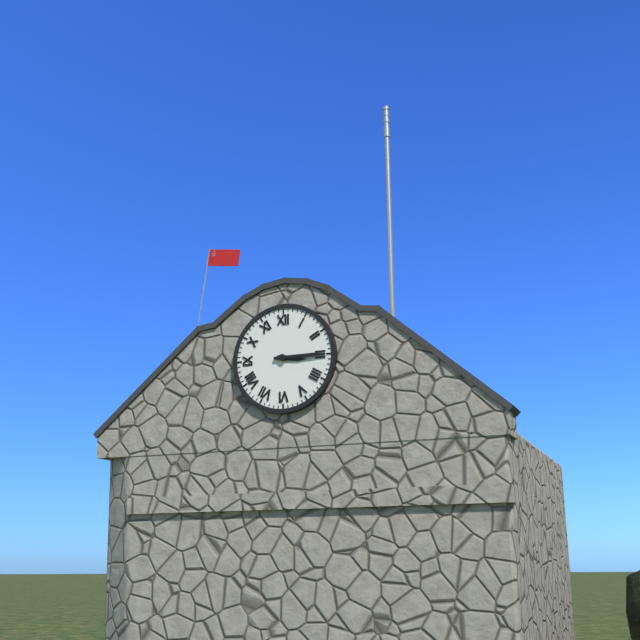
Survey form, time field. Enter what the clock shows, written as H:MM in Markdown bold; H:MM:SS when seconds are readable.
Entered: **3:15**
